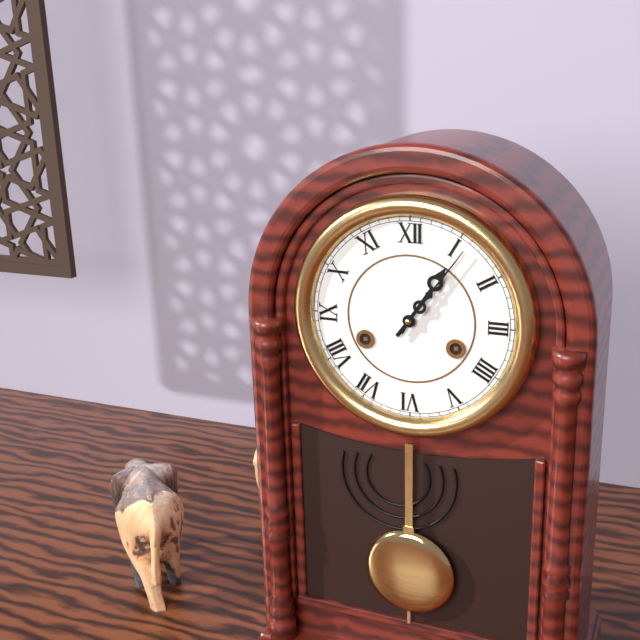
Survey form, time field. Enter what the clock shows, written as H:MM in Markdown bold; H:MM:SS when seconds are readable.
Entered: **1:06**
